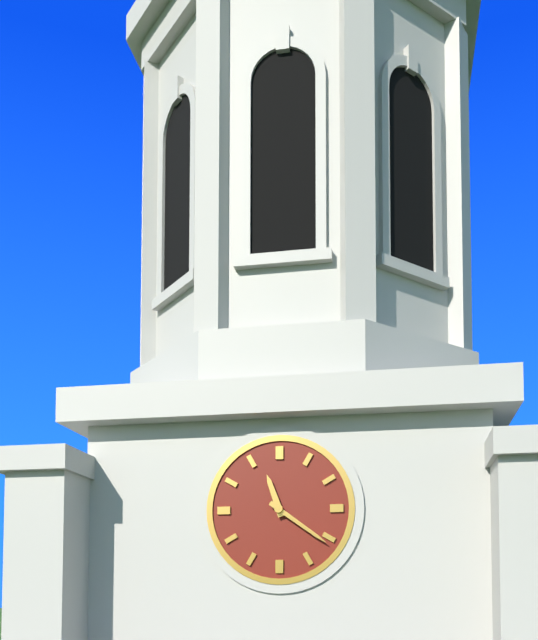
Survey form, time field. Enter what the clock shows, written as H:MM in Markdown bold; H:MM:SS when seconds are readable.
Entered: **11:21**
